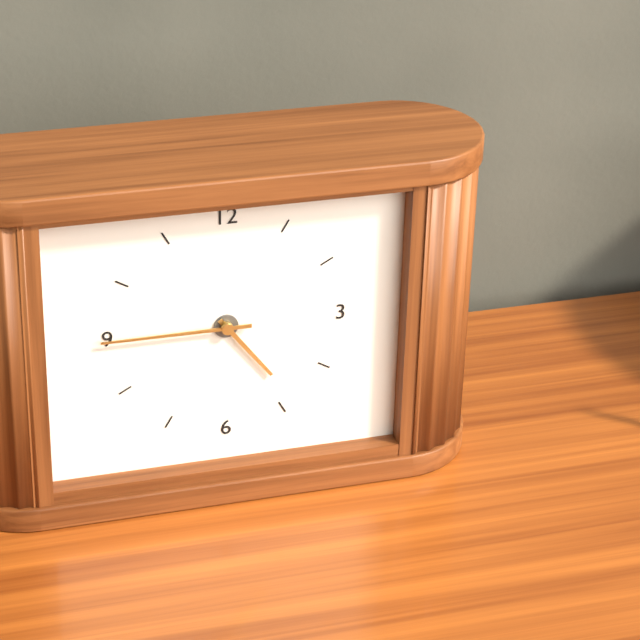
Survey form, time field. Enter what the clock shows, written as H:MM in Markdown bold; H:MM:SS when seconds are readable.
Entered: **4:45**
